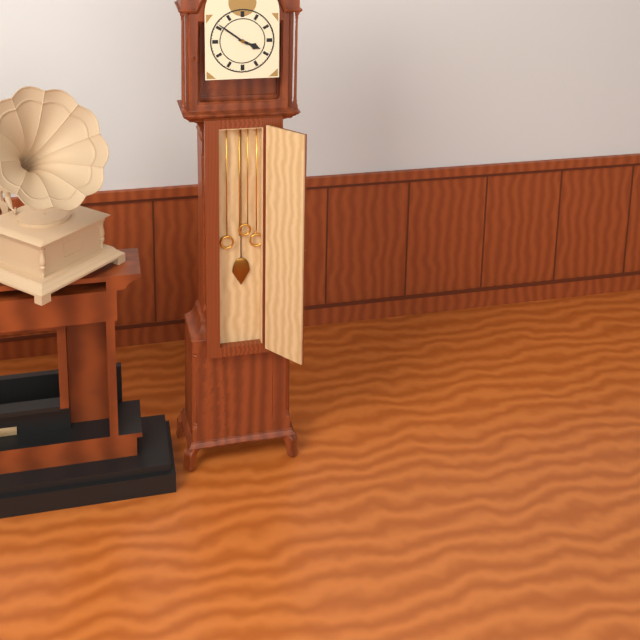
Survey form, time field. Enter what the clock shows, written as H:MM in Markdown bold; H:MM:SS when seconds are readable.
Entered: **3:51**
